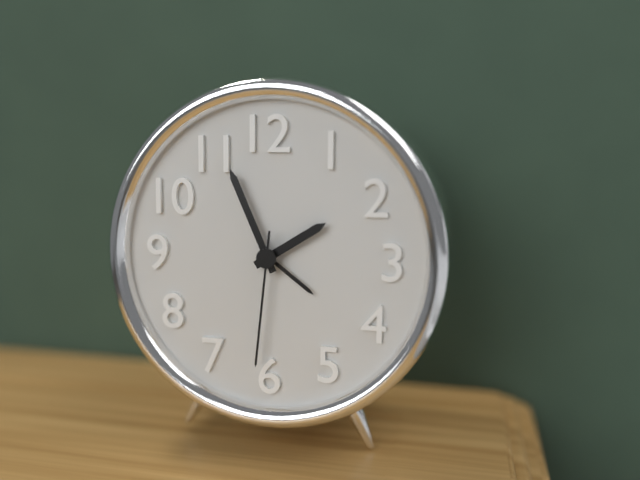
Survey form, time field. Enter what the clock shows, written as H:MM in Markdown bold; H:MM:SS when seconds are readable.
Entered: **1:56:31**
